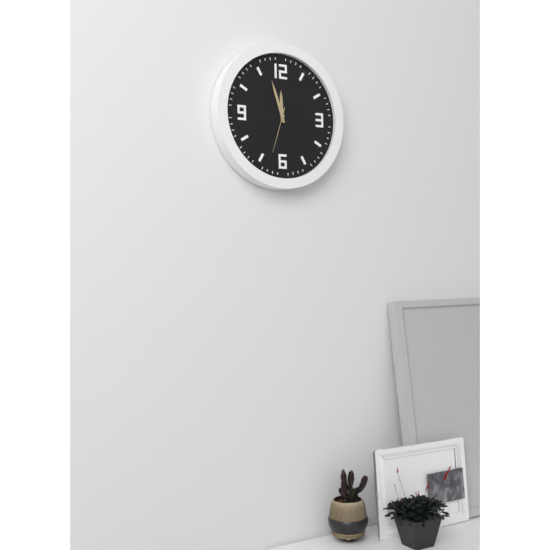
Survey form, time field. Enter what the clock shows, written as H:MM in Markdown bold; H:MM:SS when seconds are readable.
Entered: **11:57**
